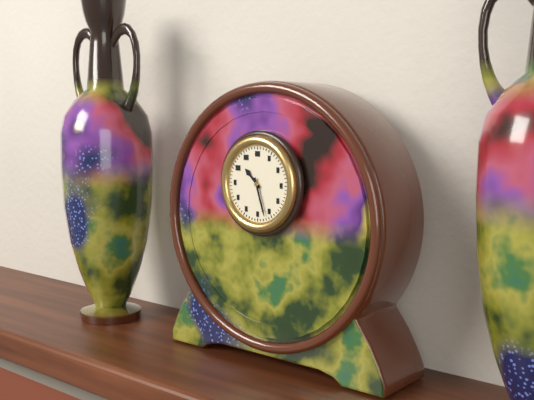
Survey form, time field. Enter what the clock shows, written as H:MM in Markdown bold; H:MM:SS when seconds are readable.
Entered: **10:27**
